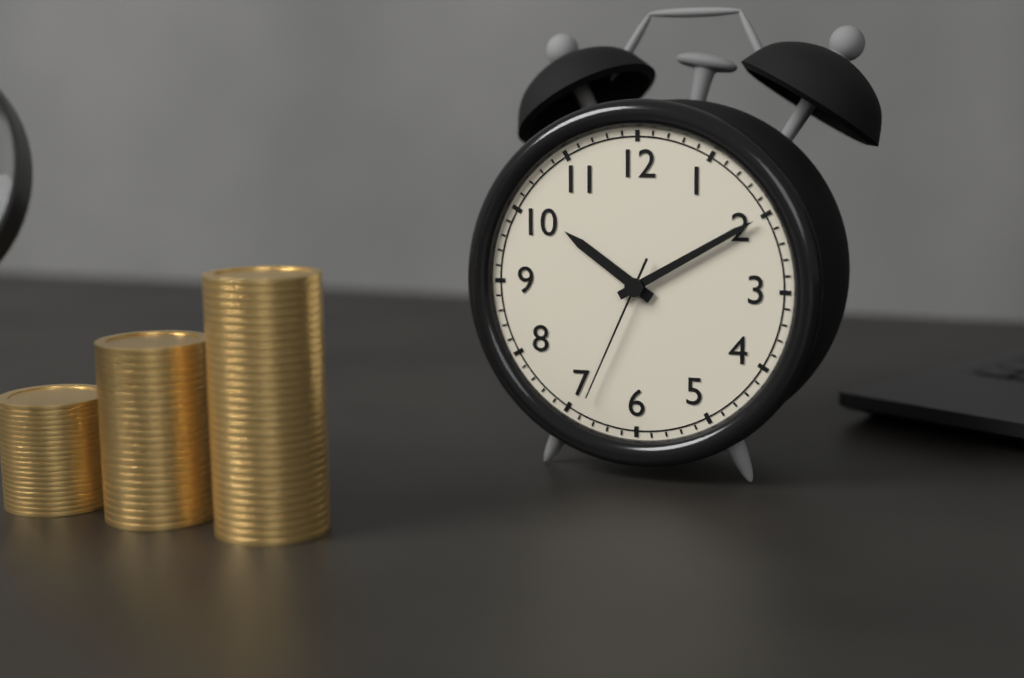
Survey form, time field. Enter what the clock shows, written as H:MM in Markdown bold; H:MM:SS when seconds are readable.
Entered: **10:10:34**
